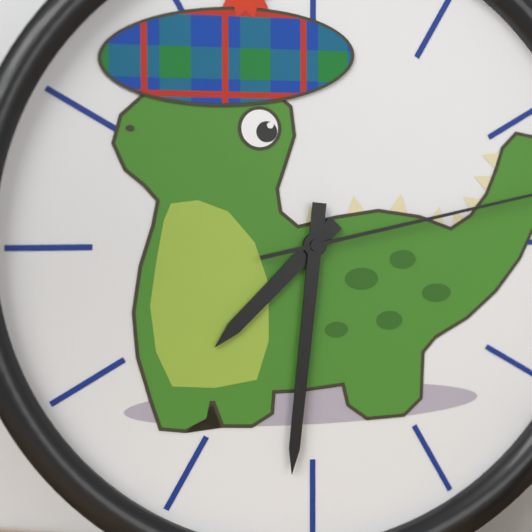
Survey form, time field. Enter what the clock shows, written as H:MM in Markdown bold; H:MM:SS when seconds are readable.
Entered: **7:31**
